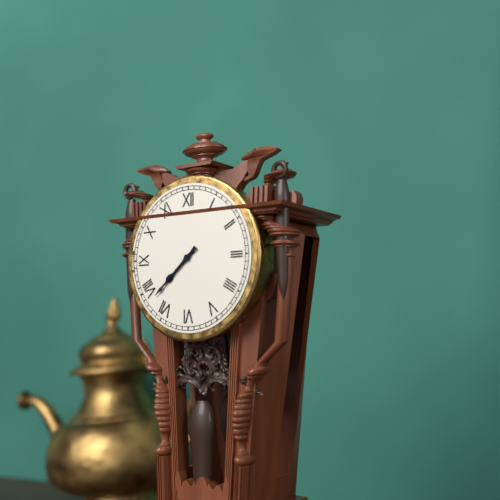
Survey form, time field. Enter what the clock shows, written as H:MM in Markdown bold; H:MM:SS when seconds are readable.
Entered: **7:38**
